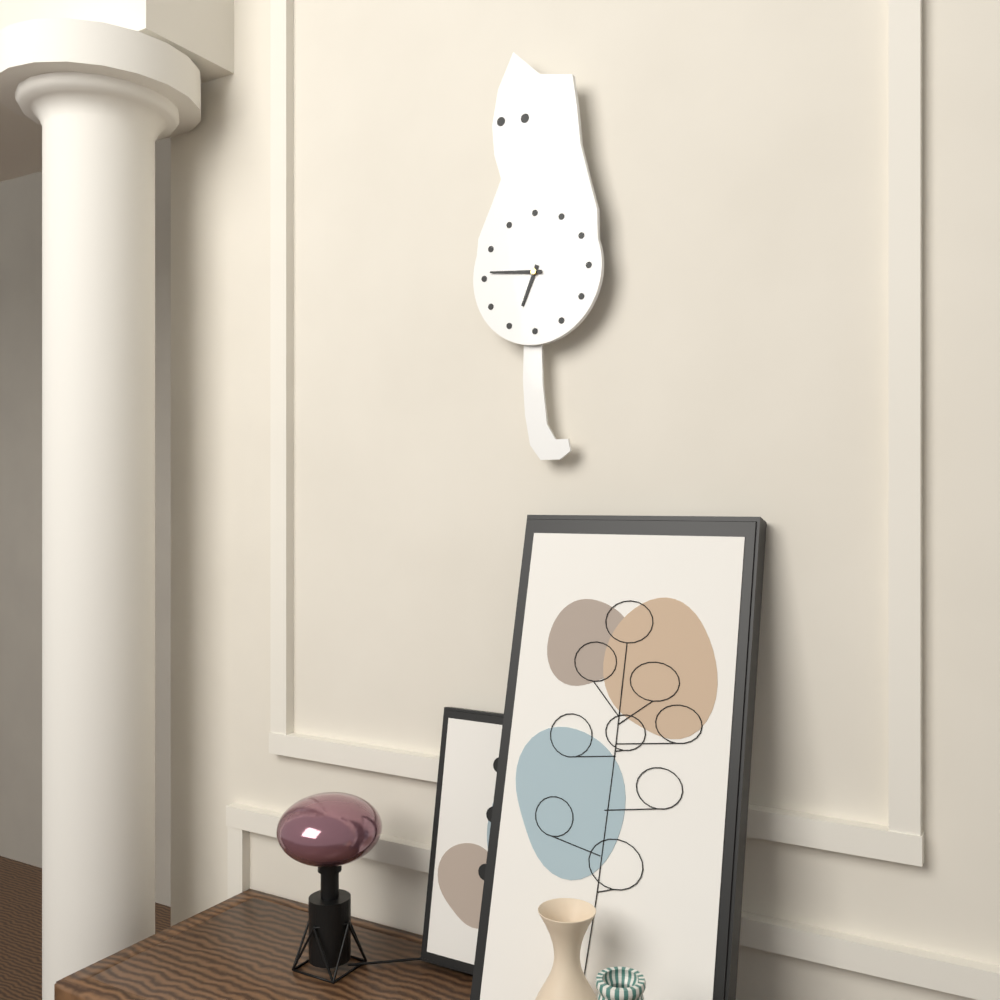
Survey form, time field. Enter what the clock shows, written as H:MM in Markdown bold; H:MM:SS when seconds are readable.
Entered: **6:46**
